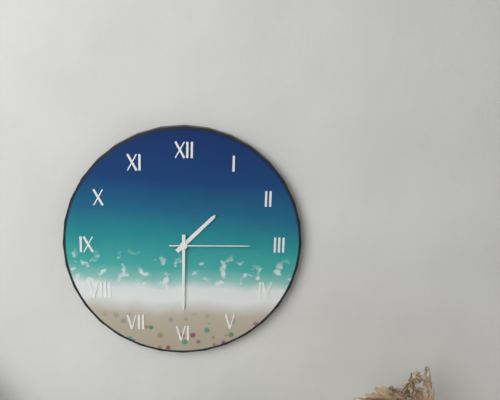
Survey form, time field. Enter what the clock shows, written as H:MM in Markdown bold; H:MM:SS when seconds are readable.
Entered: **1:30:15**
